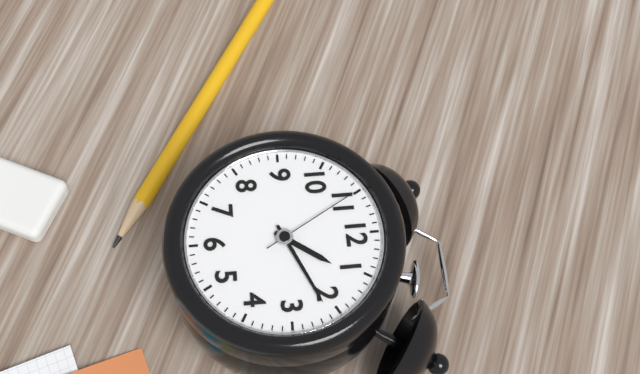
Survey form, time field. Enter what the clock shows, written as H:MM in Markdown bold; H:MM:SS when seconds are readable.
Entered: **1:11:55**
